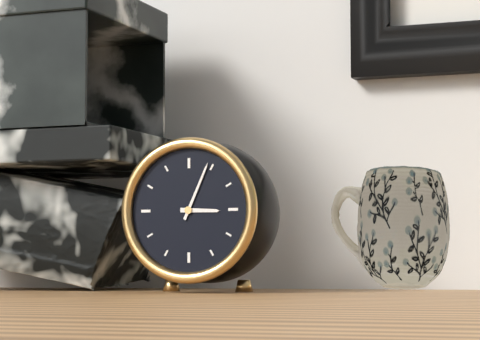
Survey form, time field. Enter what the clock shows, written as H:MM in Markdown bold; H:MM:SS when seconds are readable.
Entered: **3:04**
